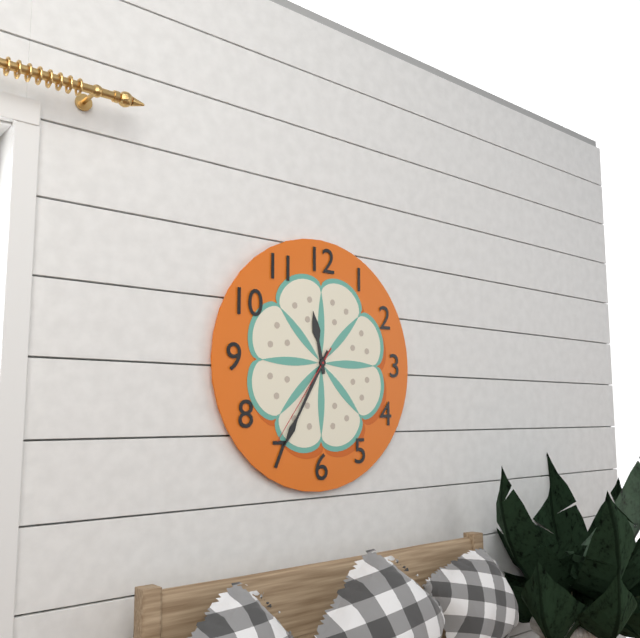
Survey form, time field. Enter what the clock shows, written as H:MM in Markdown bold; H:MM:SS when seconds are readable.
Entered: **11:35:36**
